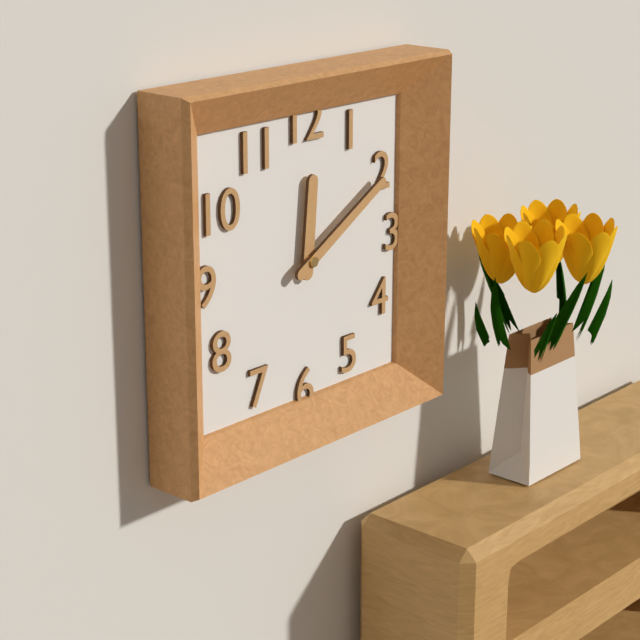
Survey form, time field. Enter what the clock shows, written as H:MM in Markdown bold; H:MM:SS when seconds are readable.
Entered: **12:10**
